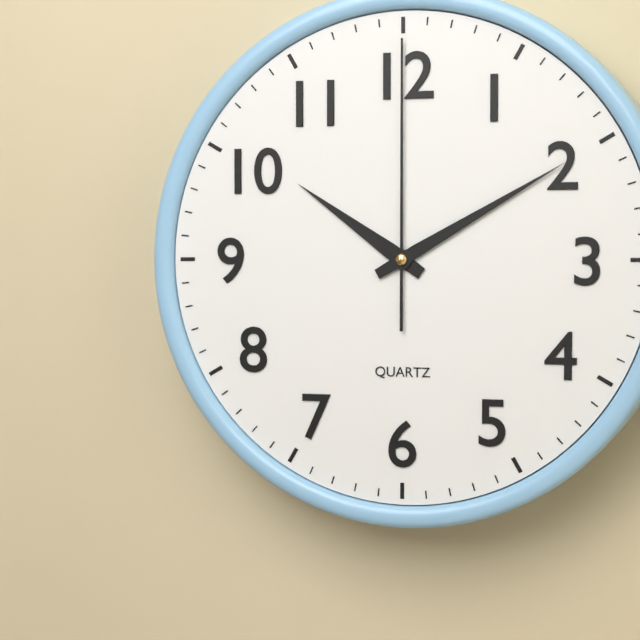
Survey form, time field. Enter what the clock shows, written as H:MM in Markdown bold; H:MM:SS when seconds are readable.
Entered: **10:10:00**
